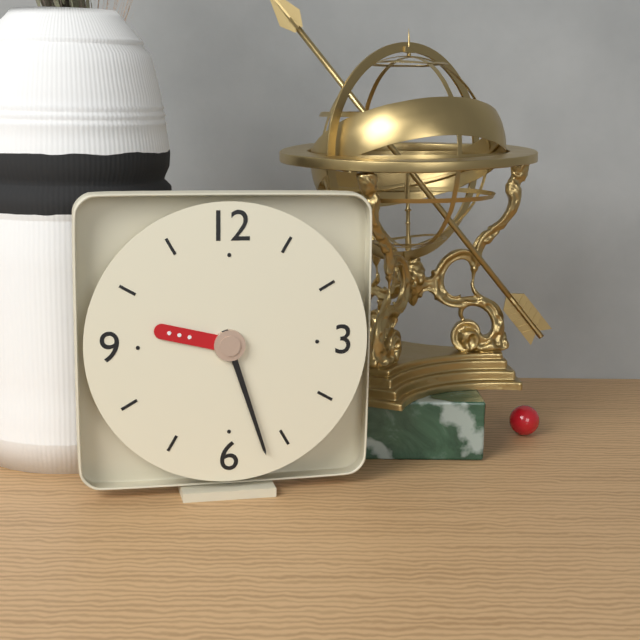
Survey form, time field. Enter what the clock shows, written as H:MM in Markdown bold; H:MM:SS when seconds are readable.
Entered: **9:27**
